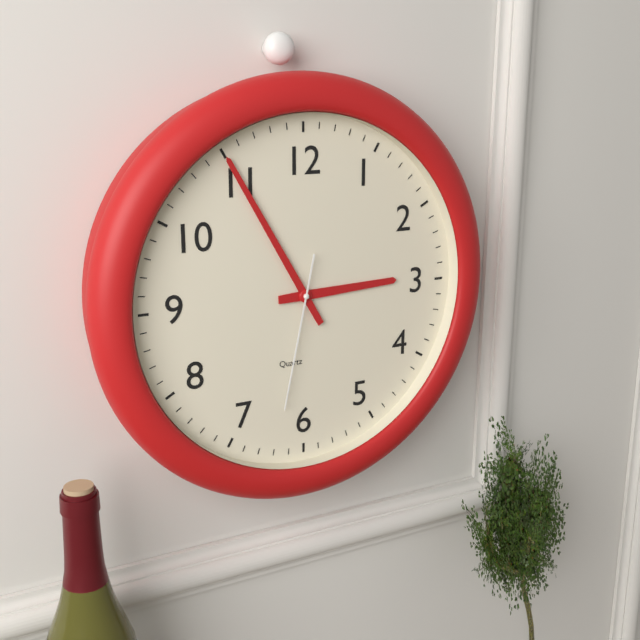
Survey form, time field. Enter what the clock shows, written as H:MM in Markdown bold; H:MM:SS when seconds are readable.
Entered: **2:55:32**
